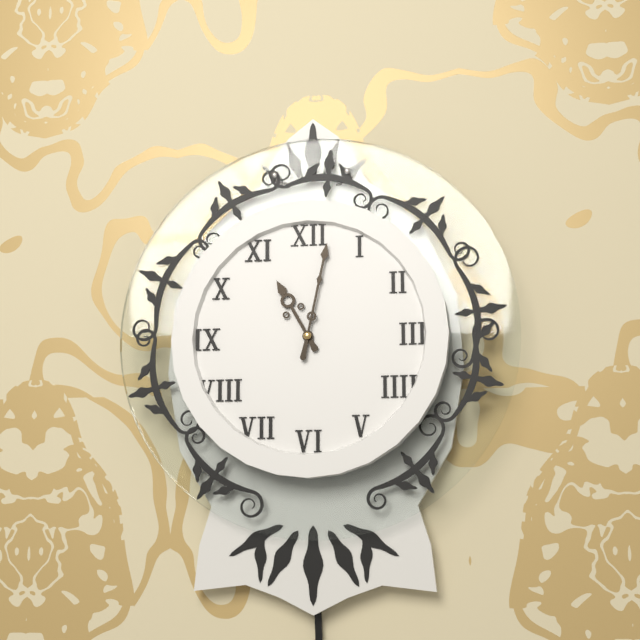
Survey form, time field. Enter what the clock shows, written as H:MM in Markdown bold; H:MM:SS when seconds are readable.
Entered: **11:02**
